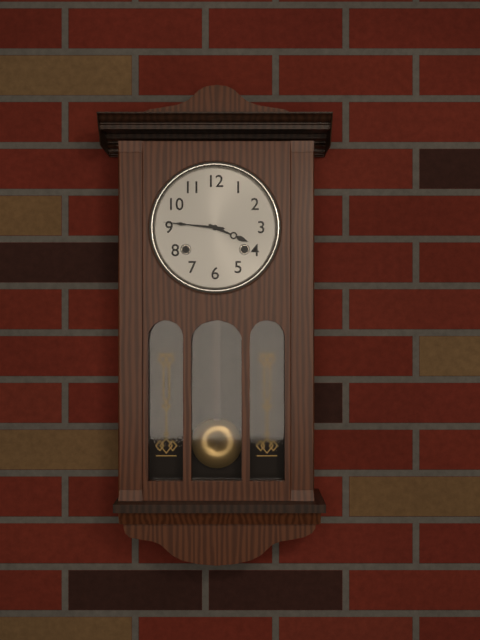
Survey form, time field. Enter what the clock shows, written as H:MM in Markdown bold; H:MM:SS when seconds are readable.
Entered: **3:46**
